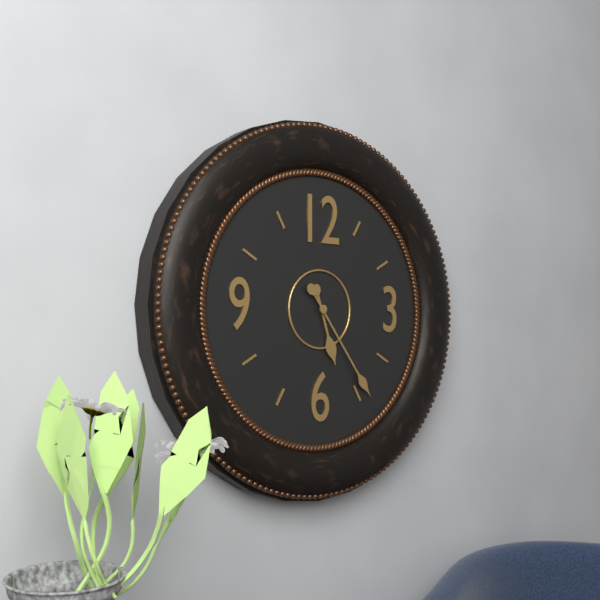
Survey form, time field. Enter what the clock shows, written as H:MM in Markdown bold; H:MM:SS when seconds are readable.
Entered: **5:24**
